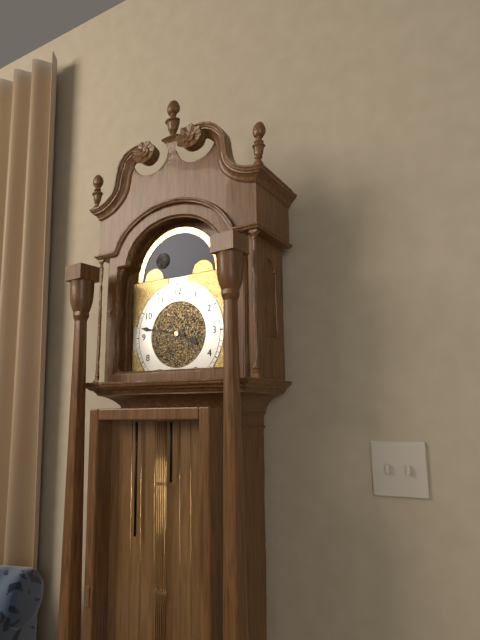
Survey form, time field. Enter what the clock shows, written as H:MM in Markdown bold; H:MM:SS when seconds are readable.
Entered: **3:47**
